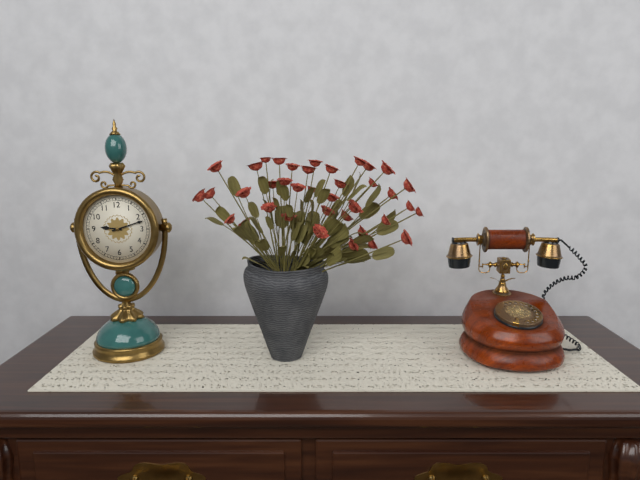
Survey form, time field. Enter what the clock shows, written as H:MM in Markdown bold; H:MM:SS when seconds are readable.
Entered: **9:12**
